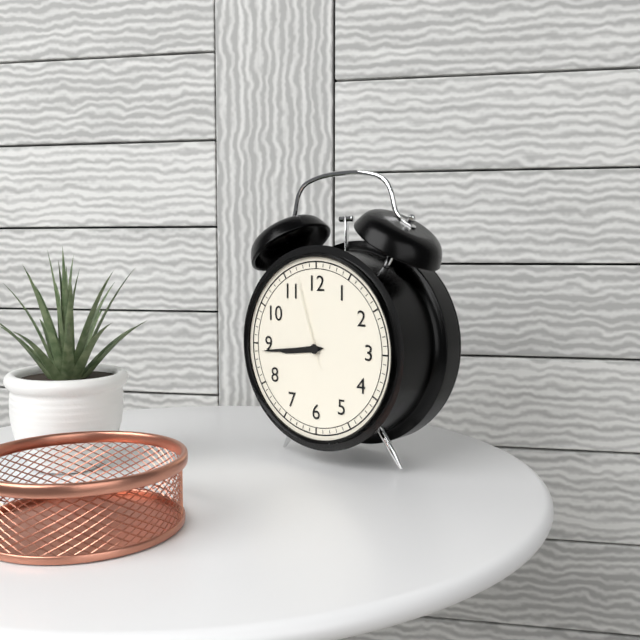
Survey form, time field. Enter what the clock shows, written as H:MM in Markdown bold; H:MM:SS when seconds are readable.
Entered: **8:44:57**
